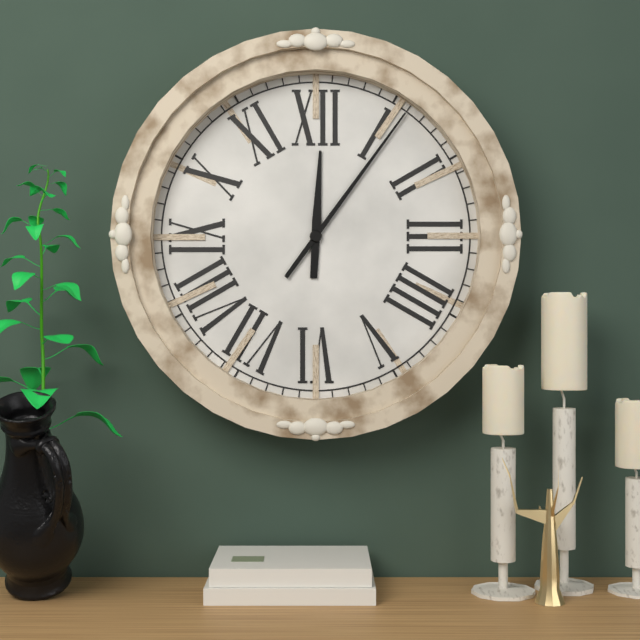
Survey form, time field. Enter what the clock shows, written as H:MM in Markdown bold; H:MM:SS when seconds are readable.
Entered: **12:06**
